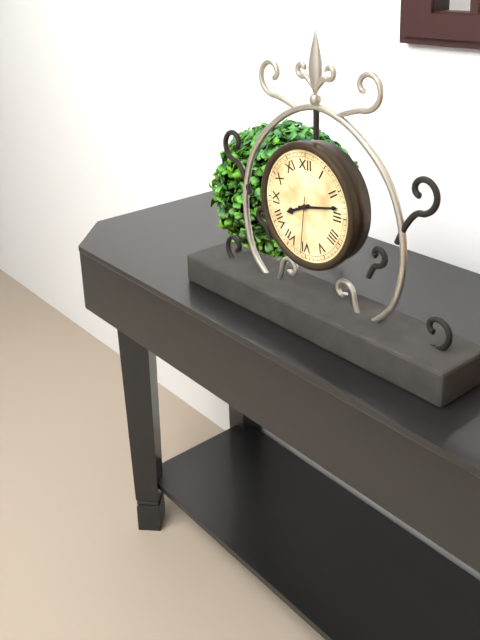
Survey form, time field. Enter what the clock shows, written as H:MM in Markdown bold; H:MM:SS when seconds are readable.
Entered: **8:13:31**
